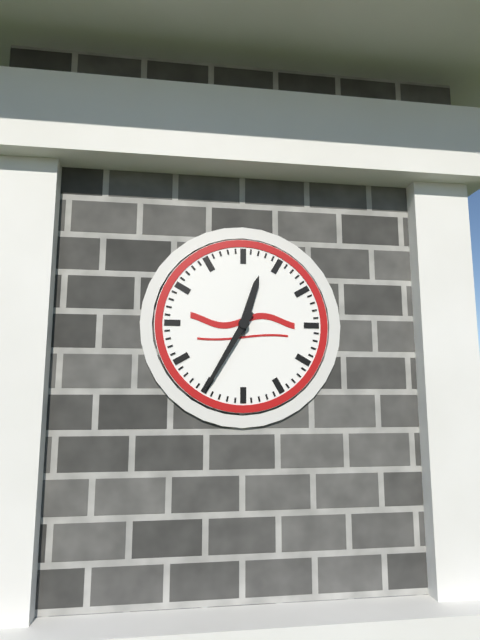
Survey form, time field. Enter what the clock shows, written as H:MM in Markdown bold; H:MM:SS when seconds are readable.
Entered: **12:35**
